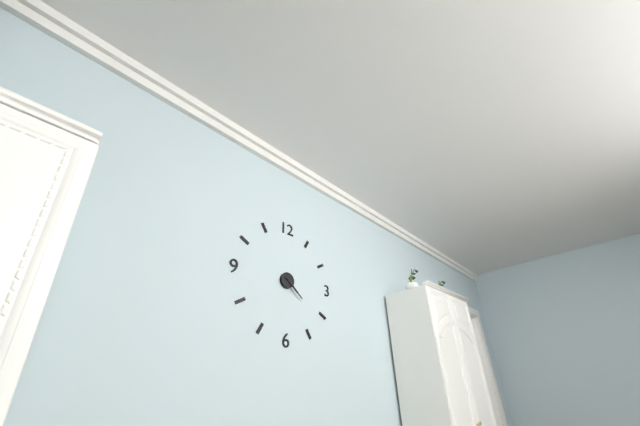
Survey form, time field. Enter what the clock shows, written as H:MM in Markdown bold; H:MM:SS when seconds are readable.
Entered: **4:22**
